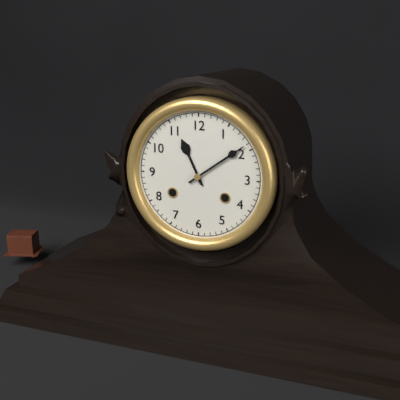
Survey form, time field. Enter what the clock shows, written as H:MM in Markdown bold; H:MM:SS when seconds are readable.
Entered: **11:09**
